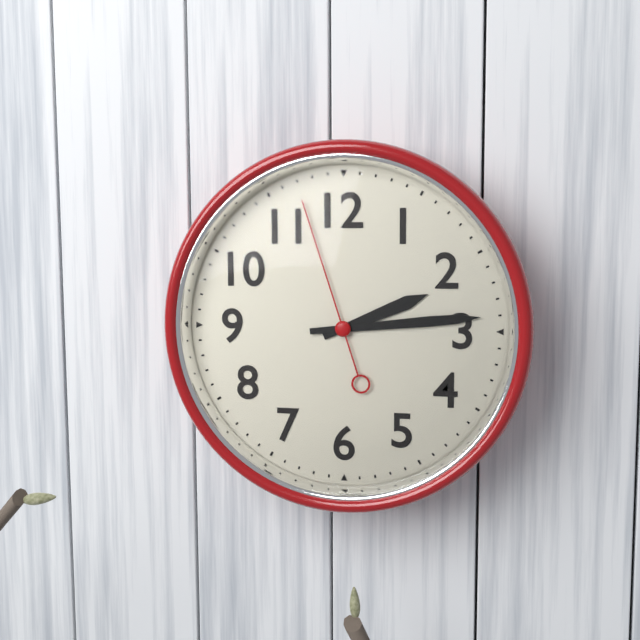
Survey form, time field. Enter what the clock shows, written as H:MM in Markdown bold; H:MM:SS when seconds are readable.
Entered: **2:14:57**
